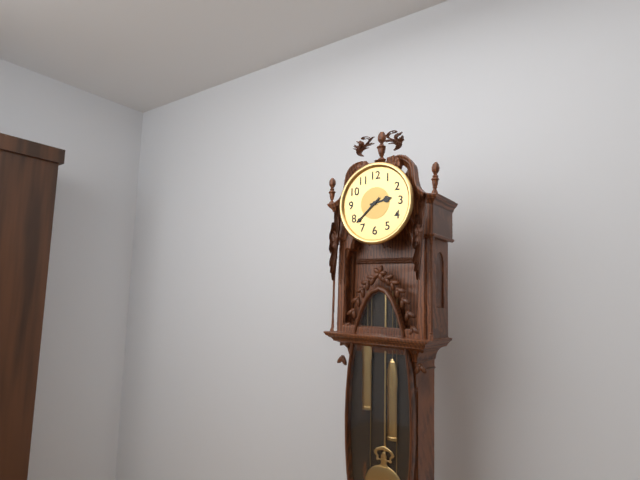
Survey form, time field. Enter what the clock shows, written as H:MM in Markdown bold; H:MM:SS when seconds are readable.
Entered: **2:38**
